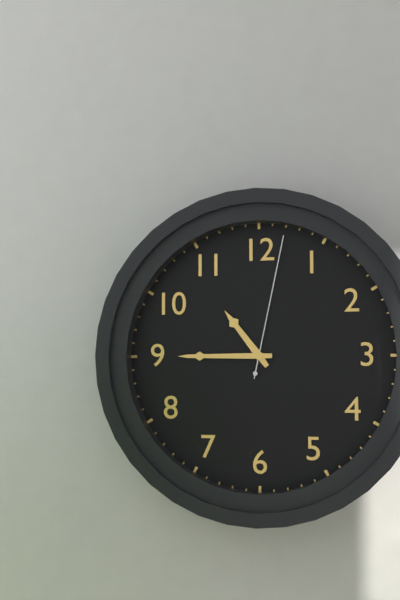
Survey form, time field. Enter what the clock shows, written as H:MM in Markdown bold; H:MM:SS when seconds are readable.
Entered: **10:45:02**
